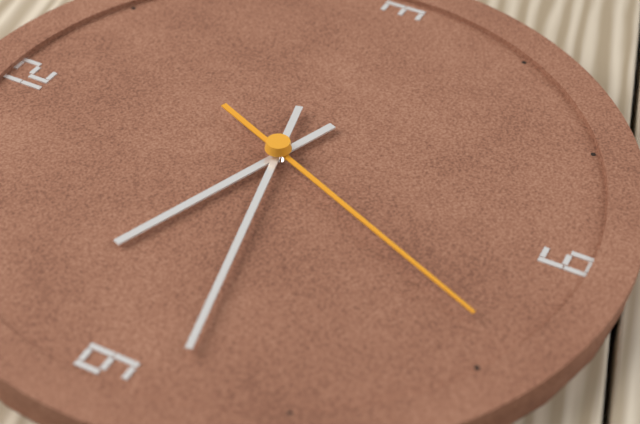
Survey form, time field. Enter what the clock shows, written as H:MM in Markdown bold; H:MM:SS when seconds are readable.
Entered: **9:43:34**
